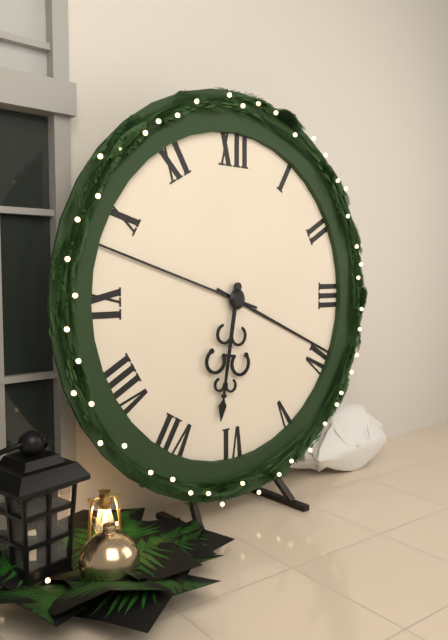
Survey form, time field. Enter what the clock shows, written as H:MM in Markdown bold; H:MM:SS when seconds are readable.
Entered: **6:19:48**
